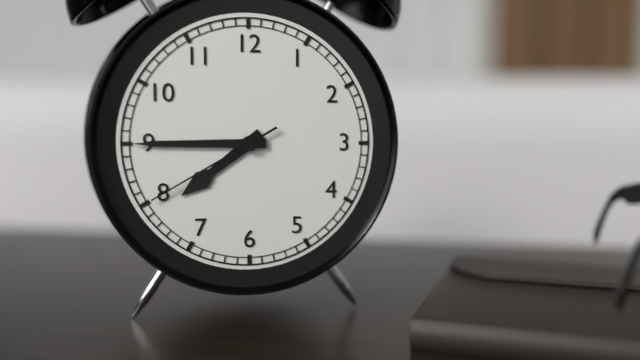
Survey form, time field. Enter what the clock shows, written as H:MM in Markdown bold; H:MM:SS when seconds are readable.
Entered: **7:45:40**
